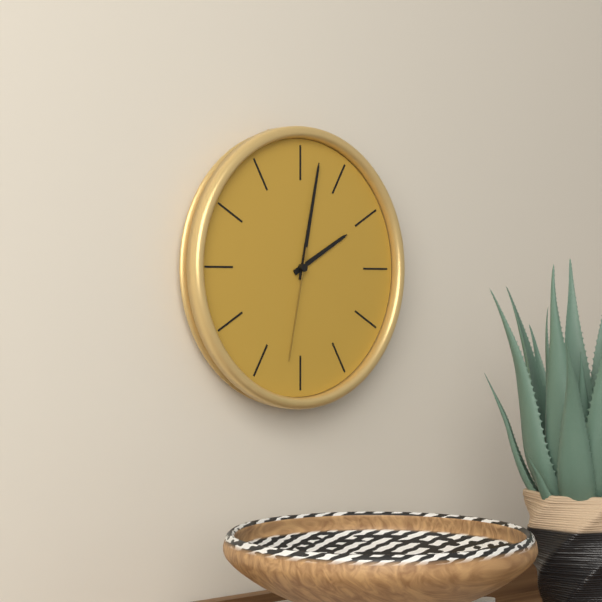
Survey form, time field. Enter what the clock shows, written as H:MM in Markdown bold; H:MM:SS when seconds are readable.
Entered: **2:02:32**
